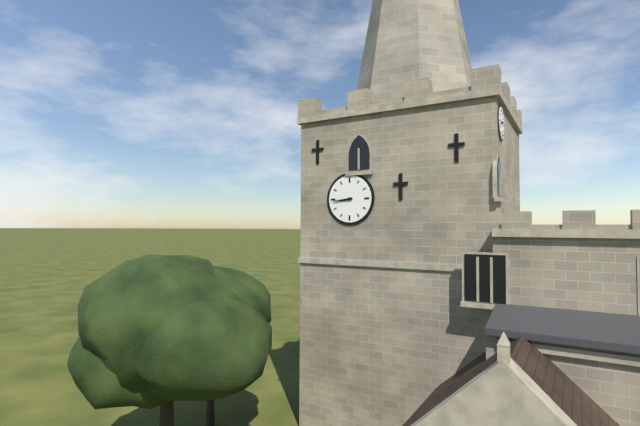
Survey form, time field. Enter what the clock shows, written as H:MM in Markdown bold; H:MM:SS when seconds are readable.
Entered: **8:44**
